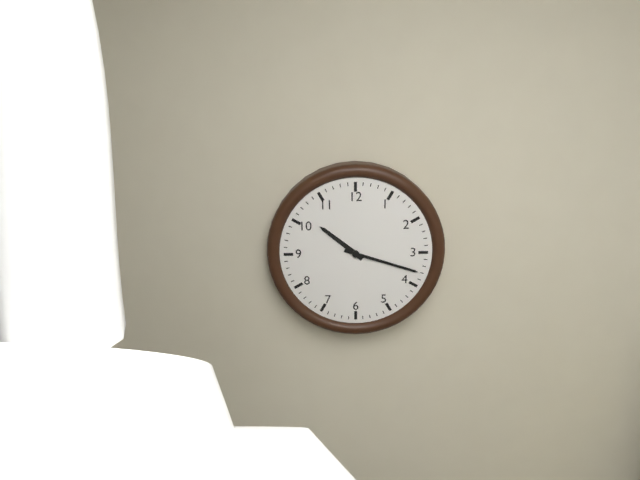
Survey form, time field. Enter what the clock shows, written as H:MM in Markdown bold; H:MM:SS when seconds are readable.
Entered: **10:18**
